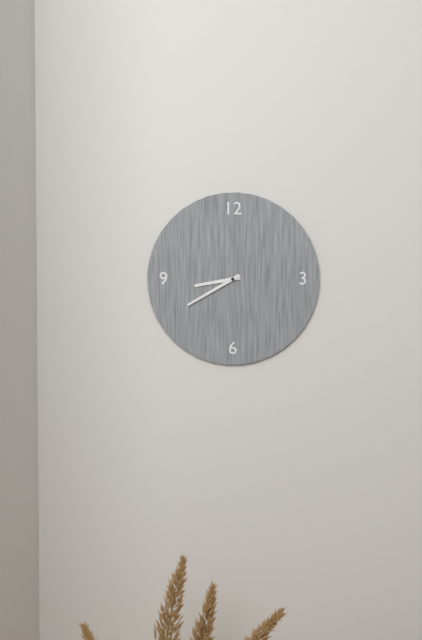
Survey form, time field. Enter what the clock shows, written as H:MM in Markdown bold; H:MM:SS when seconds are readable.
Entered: **8:40**
